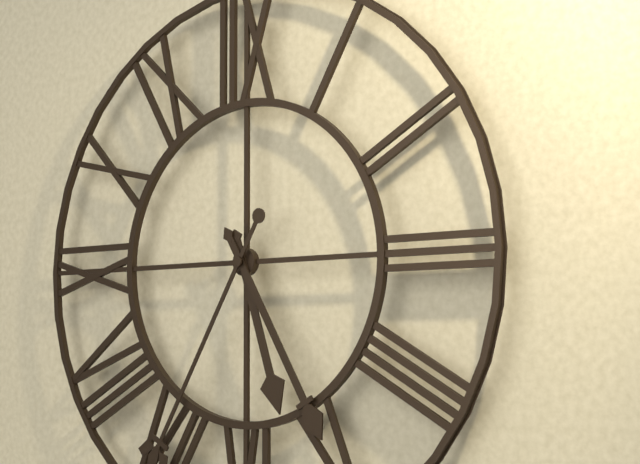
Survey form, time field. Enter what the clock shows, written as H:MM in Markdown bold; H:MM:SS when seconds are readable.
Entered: **5:25**
